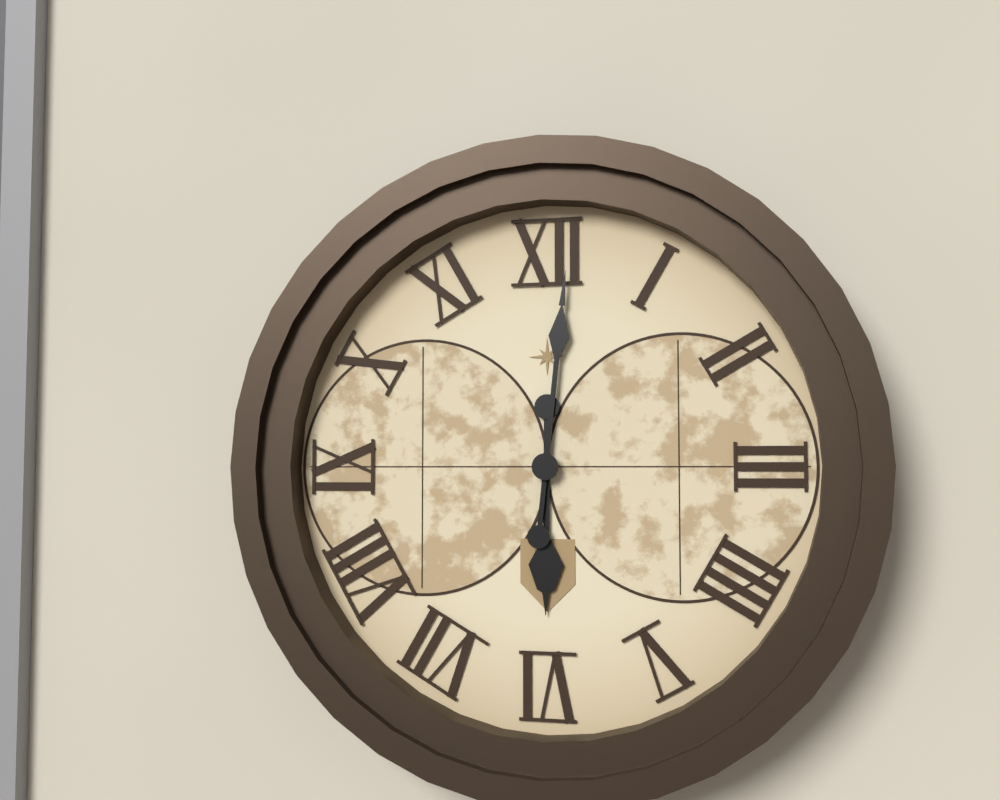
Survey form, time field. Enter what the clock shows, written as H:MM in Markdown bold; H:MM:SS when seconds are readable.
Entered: **6:01**
